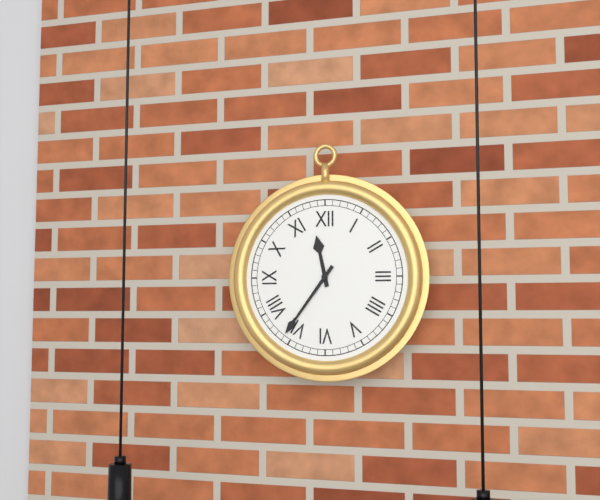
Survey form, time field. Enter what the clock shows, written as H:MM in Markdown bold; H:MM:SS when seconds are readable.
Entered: **11:36**
